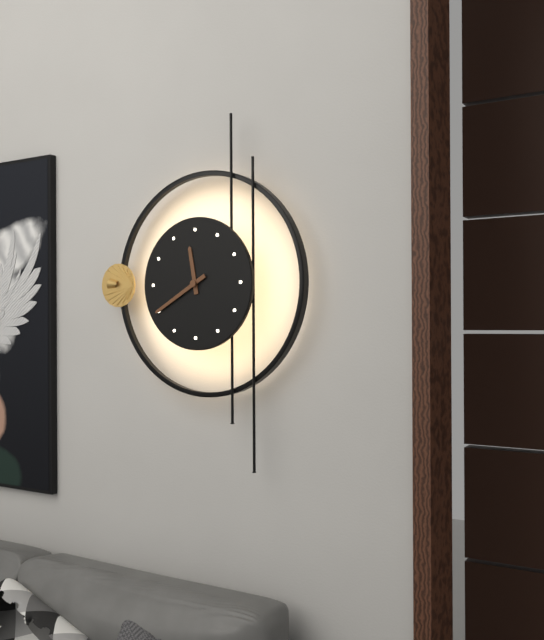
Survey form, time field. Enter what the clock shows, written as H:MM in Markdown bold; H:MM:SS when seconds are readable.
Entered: **11:40**
